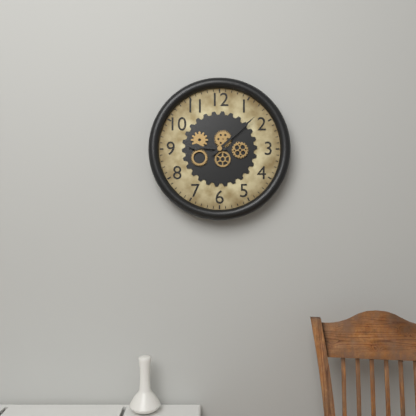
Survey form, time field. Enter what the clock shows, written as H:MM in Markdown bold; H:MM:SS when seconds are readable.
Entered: **9:08**
